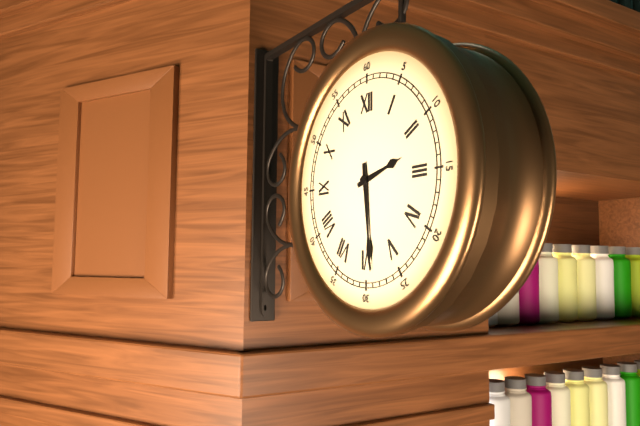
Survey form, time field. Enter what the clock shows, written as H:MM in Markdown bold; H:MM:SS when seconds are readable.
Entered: **2:29**
